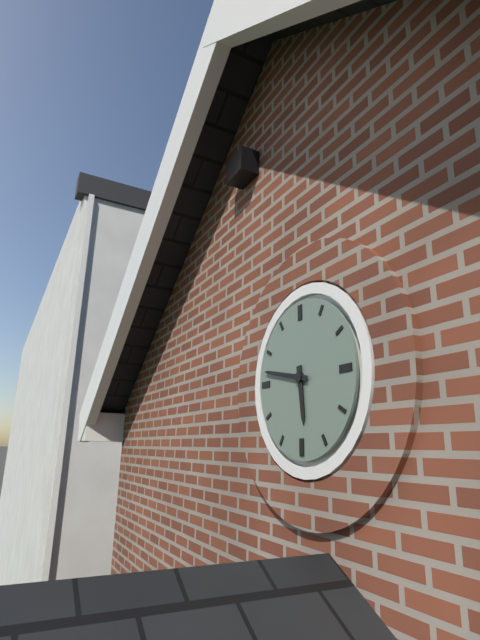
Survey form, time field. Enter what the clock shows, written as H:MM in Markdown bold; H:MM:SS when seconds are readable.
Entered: **5:47**
